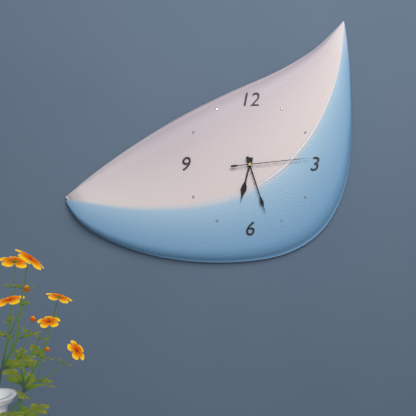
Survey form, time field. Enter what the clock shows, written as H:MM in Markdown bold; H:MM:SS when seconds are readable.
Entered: **6:27:14**
